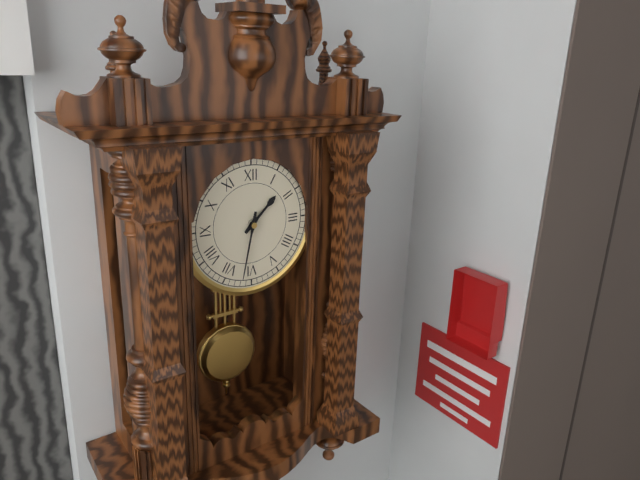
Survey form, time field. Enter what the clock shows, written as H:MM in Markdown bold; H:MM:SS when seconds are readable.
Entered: **1:32**
